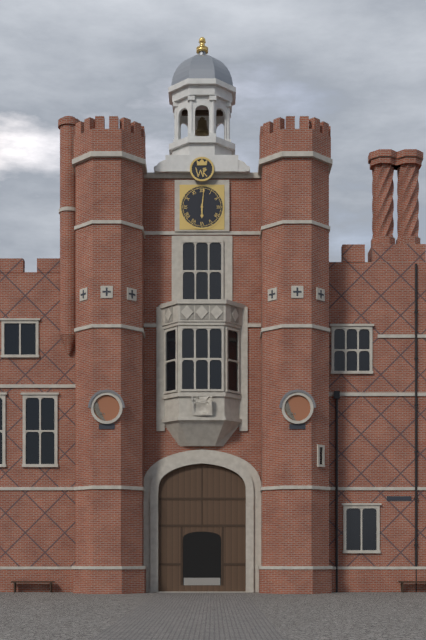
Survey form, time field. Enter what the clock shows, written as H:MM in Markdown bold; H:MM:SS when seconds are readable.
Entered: **6:01**
